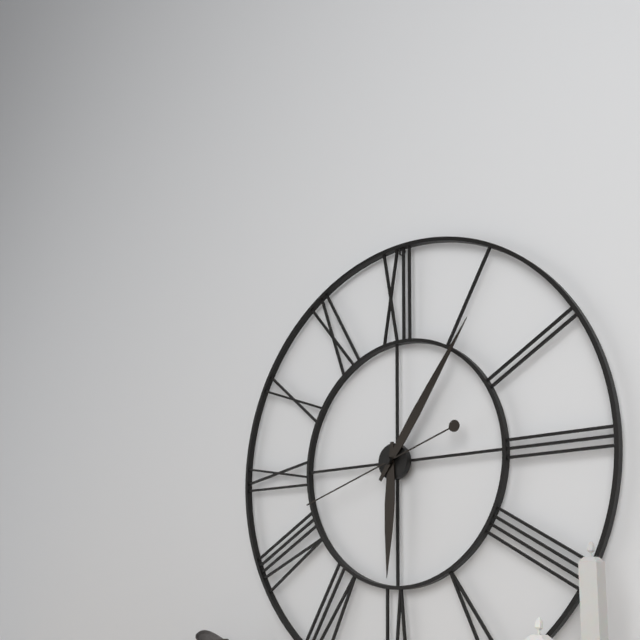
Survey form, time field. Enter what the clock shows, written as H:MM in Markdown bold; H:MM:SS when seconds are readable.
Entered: **6:06:42**
